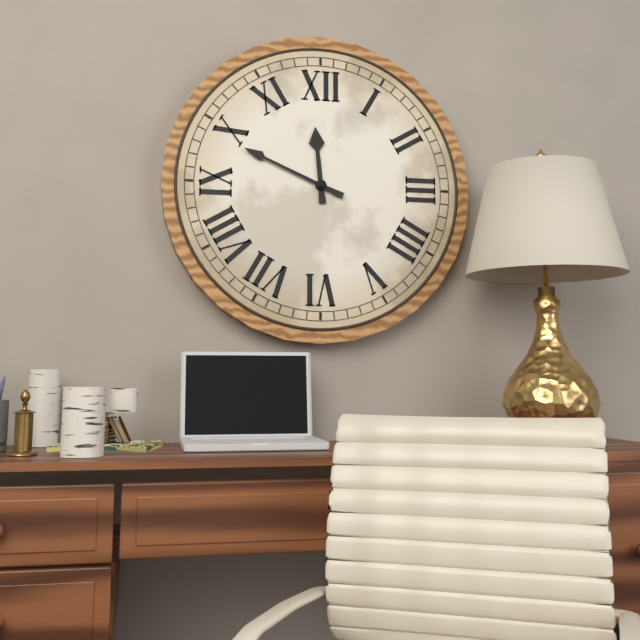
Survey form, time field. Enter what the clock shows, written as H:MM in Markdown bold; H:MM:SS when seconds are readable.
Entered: **11:49**
